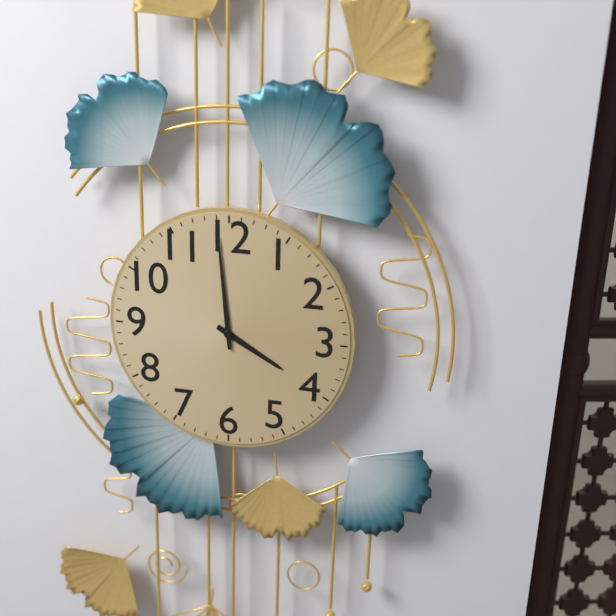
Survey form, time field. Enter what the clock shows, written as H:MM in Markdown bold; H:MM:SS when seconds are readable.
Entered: **3:59**
